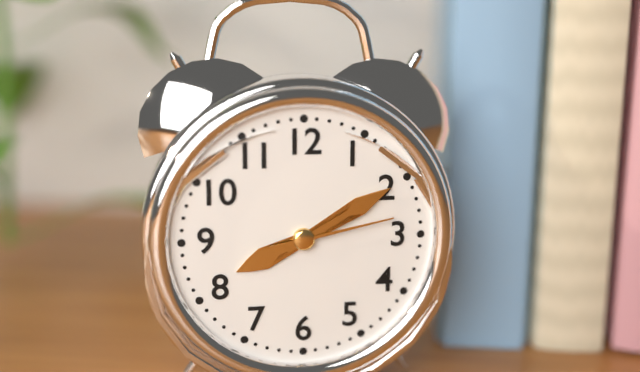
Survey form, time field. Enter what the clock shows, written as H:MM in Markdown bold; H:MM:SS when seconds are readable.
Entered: **8:10:13**
